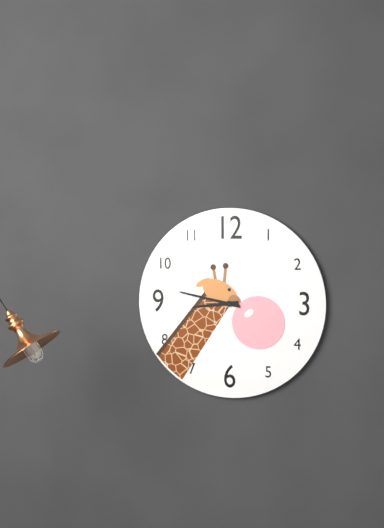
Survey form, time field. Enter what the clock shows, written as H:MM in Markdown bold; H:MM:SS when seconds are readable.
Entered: **8:47**
